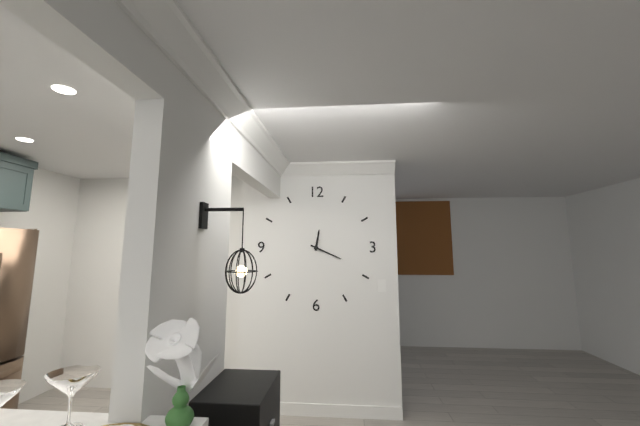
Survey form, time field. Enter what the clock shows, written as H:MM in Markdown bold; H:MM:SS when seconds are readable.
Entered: **12:19**
